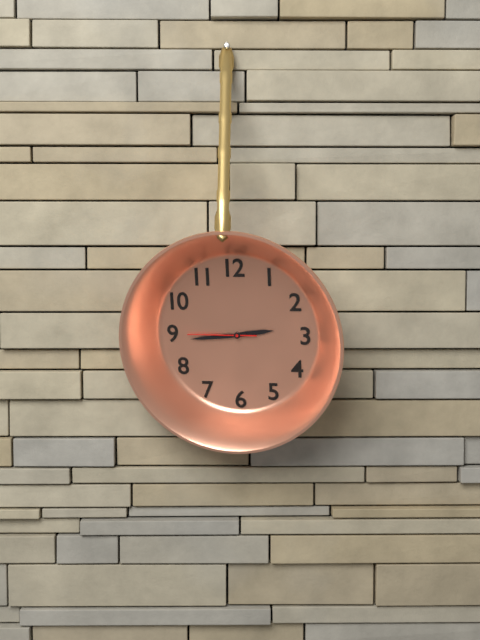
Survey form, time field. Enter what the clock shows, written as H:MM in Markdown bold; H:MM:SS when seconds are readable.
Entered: **2:44:45**
